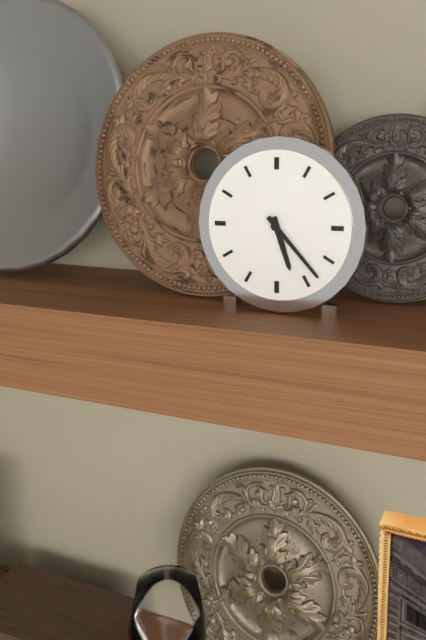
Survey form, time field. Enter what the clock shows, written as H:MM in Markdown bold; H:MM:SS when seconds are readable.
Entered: **5:23**
